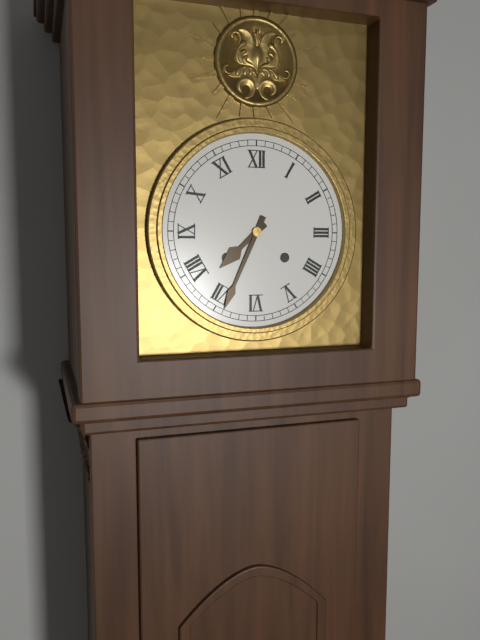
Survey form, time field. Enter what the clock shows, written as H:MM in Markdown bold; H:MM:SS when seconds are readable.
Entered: **7:34**
